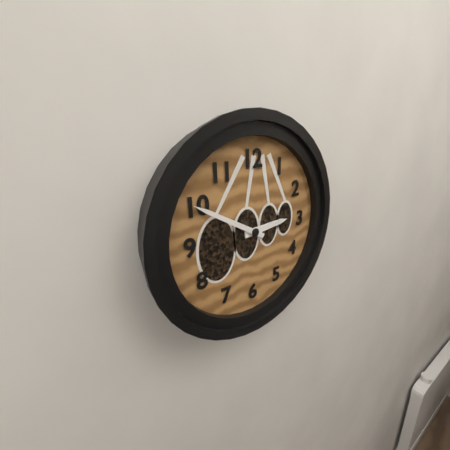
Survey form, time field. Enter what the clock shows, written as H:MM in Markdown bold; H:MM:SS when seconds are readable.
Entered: **2:50**
